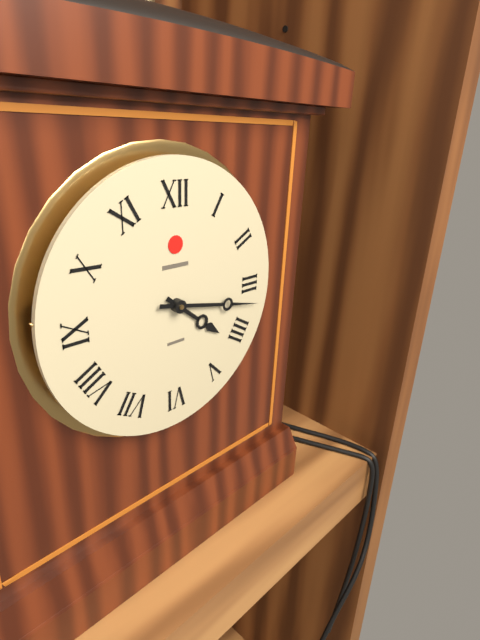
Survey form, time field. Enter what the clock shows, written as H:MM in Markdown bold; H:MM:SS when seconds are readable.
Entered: **4:17**
